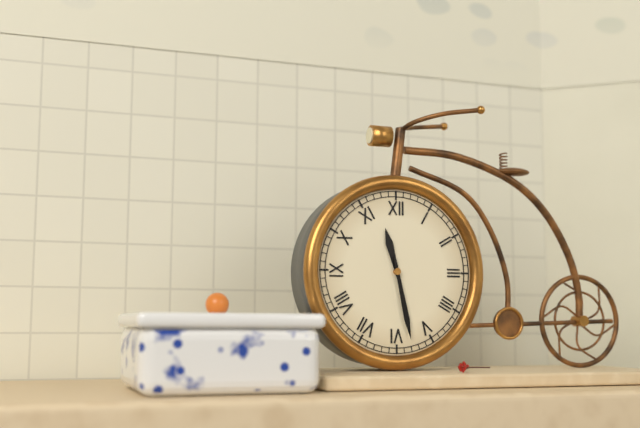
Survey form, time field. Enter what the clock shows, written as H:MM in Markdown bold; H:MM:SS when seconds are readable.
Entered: **11:28**
